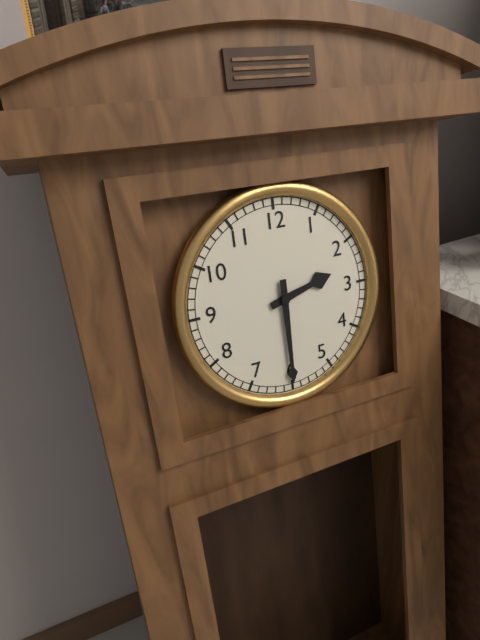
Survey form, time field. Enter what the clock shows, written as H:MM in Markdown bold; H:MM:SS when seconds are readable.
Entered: **2:30**
